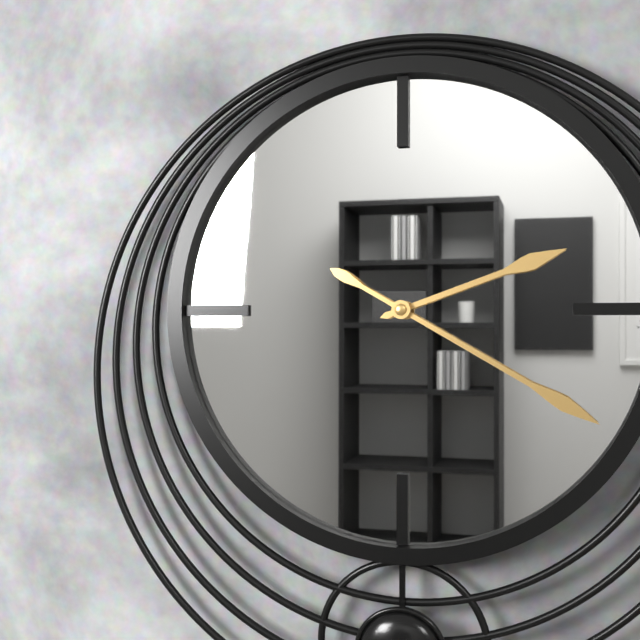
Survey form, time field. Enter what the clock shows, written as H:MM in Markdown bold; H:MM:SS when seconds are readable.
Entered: **2:20**
